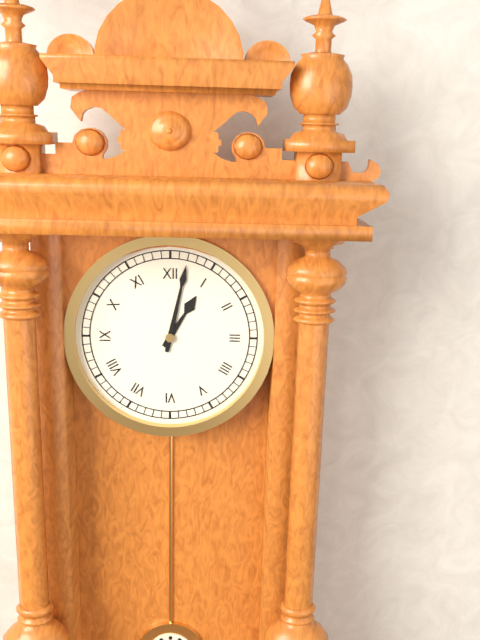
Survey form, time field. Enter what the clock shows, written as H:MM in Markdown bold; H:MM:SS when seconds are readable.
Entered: **1:02**
